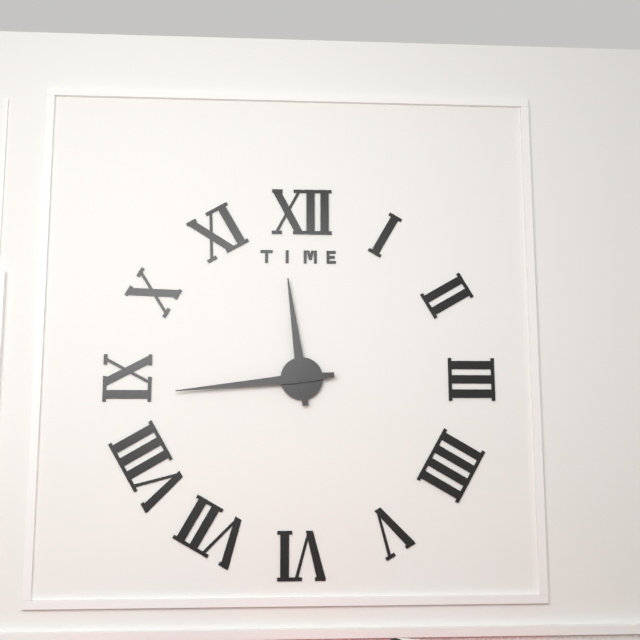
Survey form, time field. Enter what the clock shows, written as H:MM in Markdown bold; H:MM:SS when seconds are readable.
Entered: **11:44**
